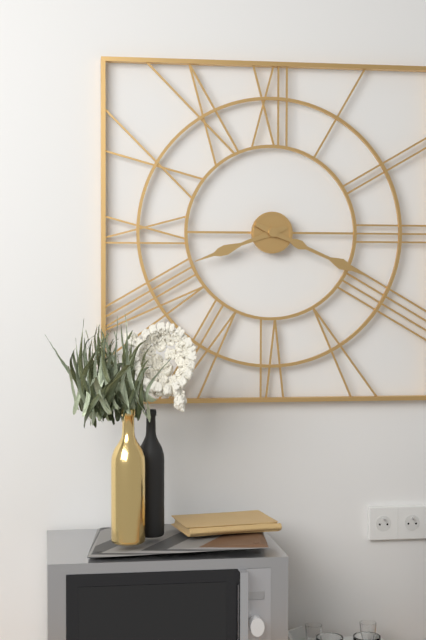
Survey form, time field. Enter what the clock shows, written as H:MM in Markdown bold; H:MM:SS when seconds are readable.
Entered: **8:19**
